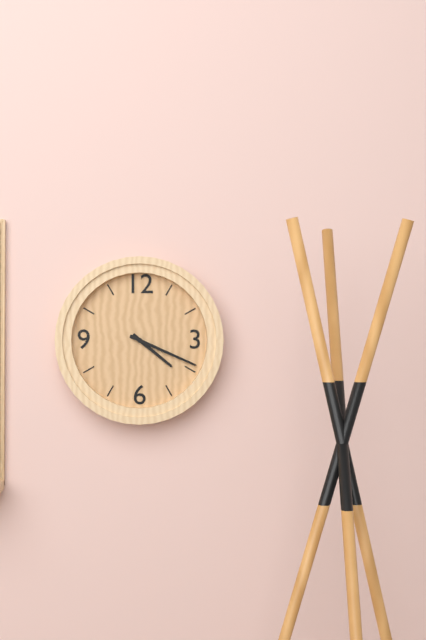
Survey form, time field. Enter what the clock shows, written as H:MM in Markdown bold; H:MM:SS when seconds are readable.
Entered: **4:19**
